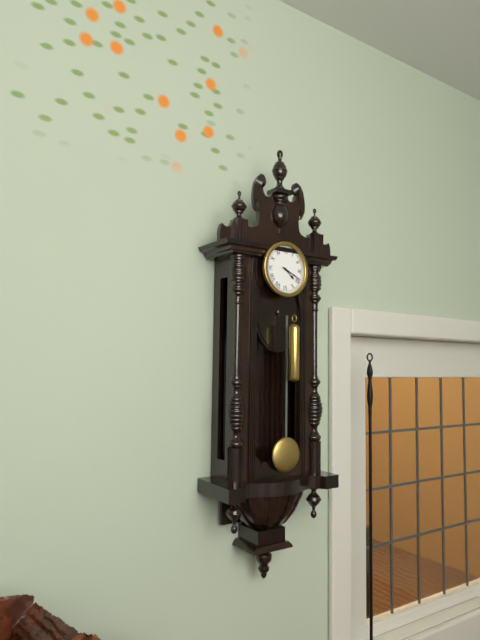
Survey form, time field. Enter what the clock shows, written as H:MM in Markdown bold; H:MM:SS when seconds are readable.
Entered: **4:19**
